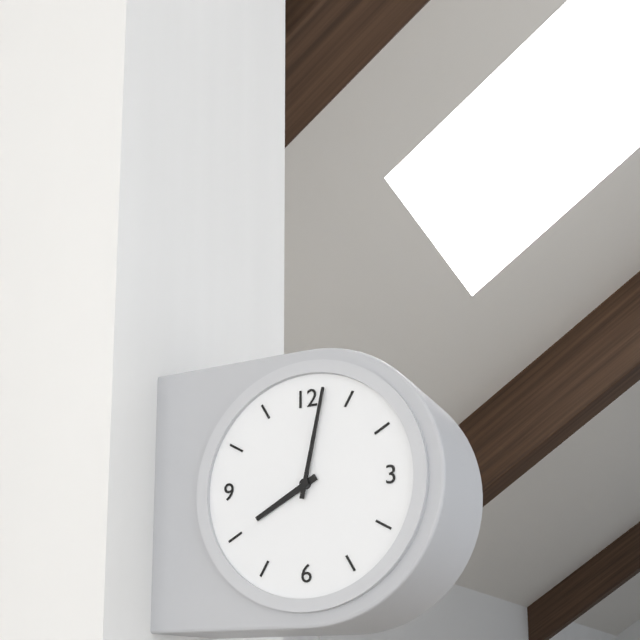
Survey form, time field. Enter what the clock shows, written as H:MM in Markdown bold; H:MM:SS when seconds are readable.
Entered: **8:02**
